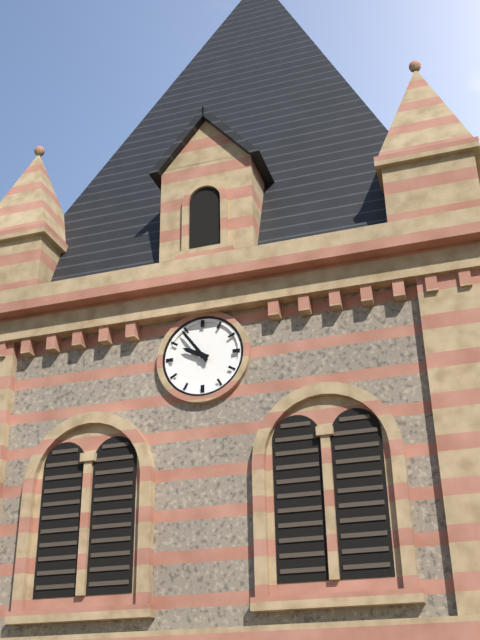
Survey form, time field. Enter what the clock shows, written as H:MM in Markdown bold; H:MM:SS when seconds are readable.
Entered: **9:54**
